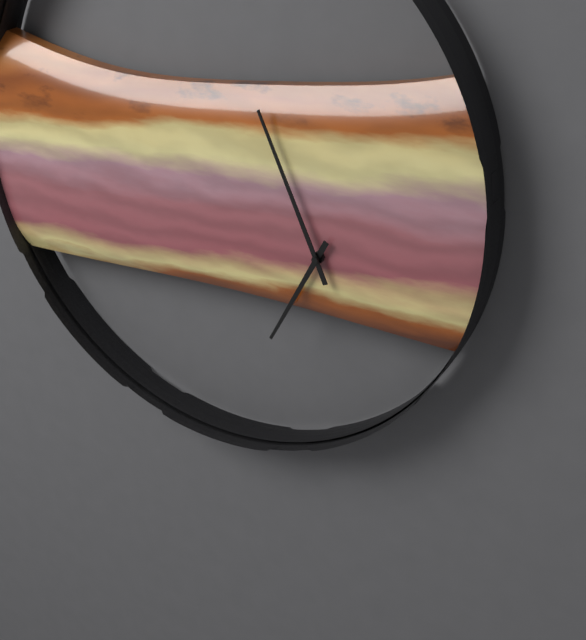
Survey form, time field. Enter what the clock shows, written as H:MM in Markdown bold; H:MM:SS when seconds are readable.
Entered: **6:56**
